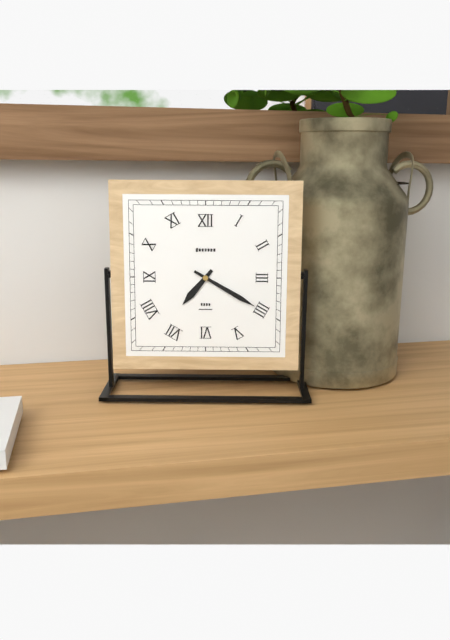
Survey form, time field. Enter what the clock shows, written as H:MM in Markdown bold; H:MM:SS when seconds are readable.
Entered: **7:20**
